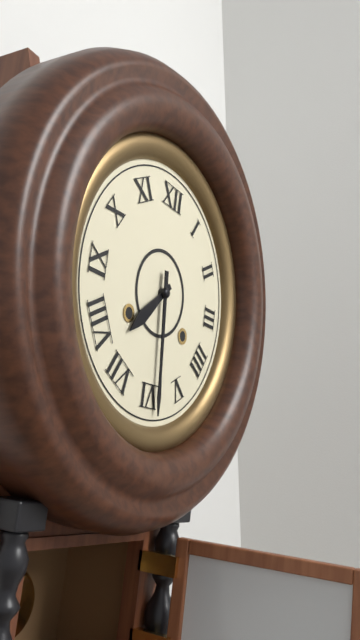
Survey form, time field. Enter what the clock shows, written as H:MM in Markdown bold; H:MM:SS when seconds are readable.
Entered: **7:29**
